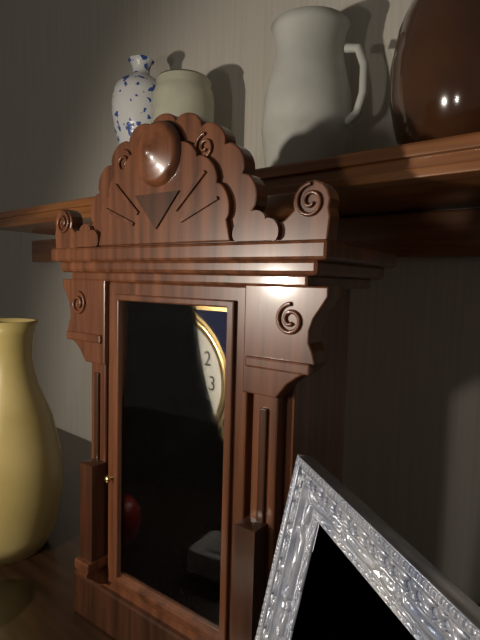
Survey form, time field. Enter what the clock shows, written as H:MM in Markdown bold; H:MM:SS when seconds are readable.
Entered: **12:22**
